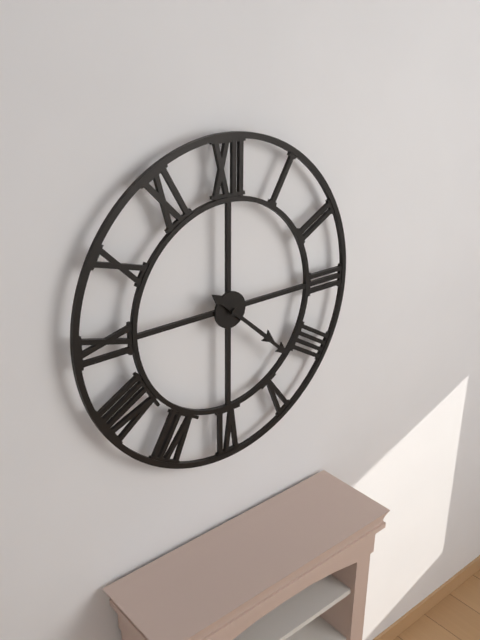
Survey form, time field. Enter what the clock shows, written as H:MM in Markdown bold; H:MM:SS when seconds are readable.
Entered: **4:22**
